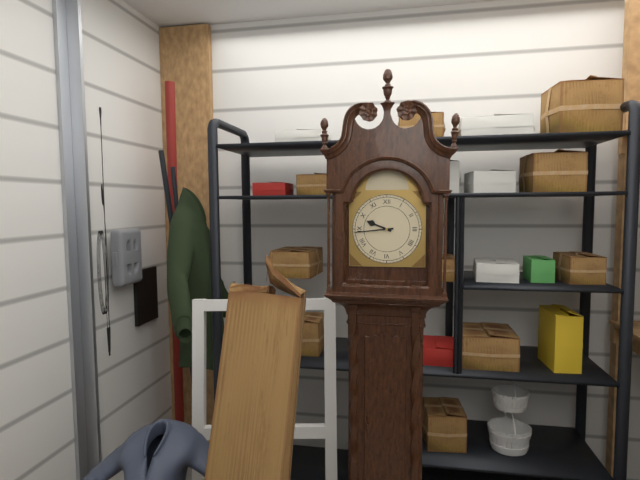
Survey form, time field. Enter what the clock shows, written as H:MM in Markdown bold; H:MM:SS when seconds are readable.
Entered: **9:44**
